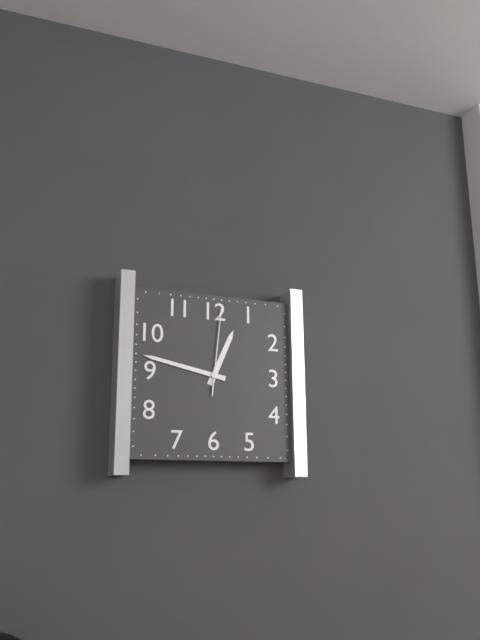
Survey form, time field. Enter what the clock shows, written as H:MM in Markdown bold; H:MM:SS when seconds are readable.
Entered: **12:47:01**
